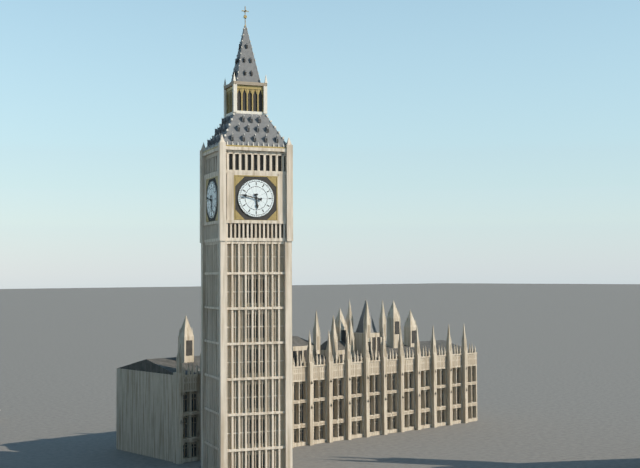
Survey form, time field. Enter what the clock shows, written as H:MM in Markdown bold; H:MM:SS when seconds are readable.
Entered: **5:47**
